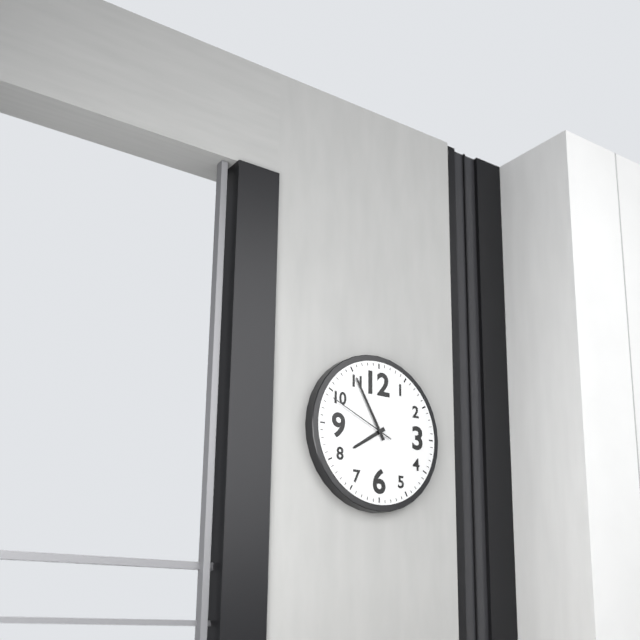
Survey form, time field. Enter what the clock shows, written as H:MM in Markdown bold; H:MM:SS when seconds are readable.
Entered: **7:55:49**
